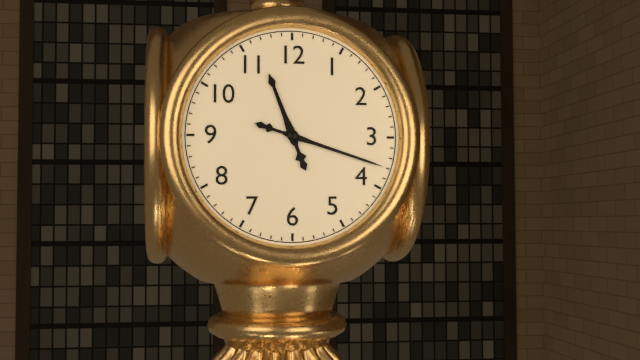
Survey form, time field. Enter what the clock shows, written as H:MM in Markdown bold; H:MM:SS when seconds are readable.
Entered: **11:18**
